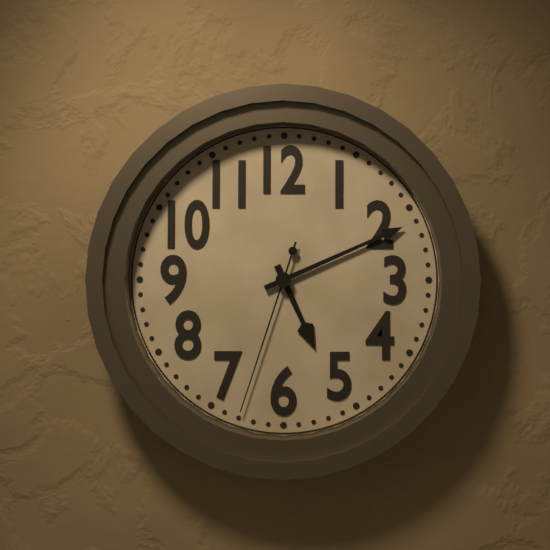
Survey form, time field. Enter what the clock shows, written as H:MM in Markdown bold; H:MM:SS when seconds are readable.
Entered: **5:11:33**
